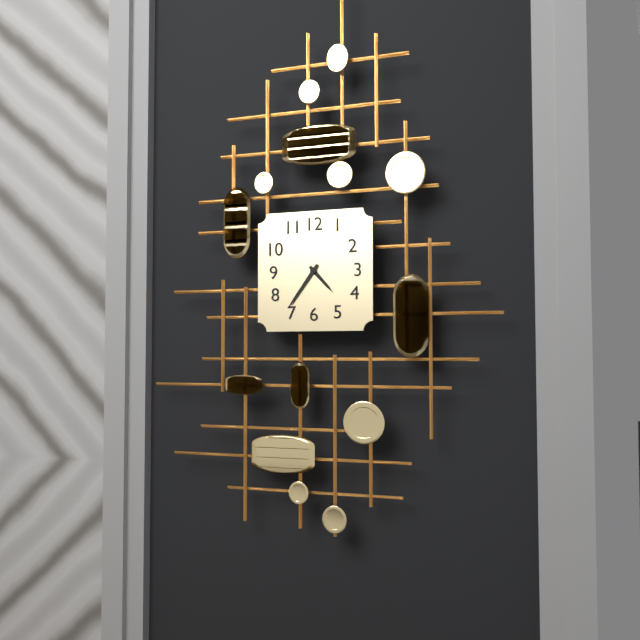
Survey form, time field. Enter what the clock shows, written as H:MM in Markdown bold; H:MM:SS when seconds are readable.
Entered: **4:36**
